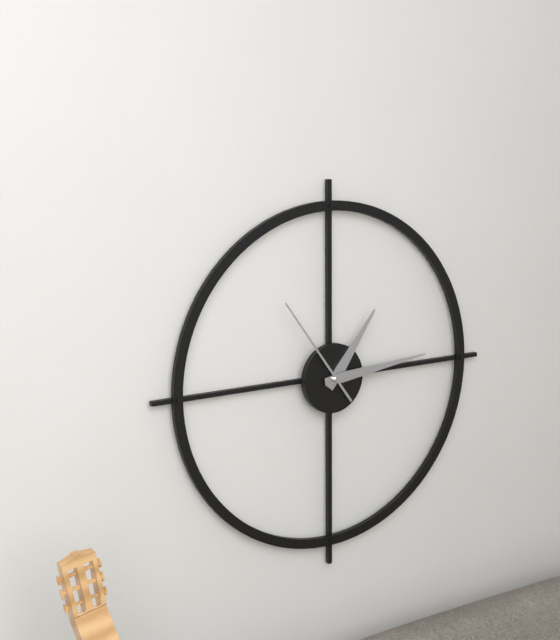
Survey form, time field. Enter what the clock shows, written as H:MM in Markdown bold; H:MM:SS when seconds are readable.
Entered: **1:14:54**
